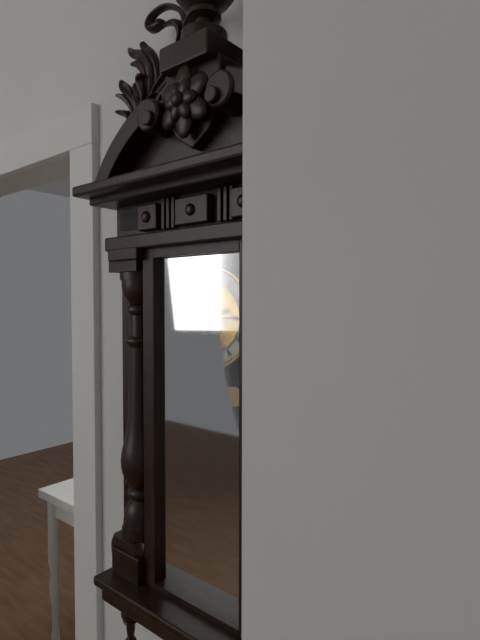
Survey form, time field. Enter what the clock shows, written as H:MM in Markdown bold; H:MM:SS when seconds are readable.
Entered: **2:15**
